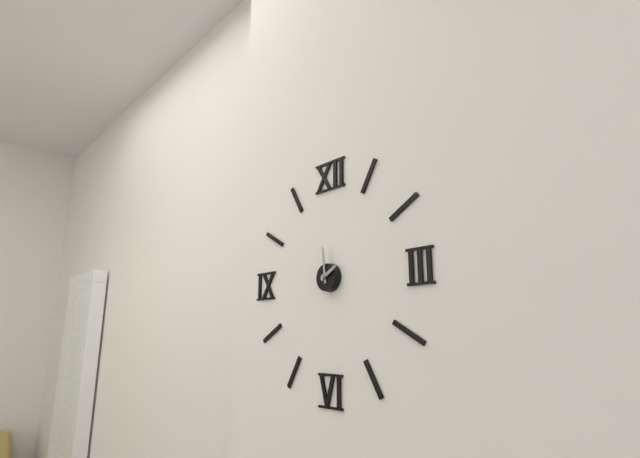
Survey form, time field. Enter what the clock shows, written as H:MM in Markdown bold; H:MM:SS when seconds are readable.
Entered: **1:59**
